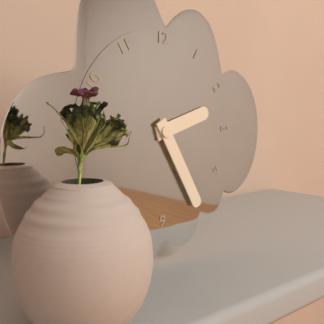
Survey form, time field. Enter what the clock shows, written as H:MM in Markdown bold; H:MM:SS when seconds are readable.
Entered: **2:25**
